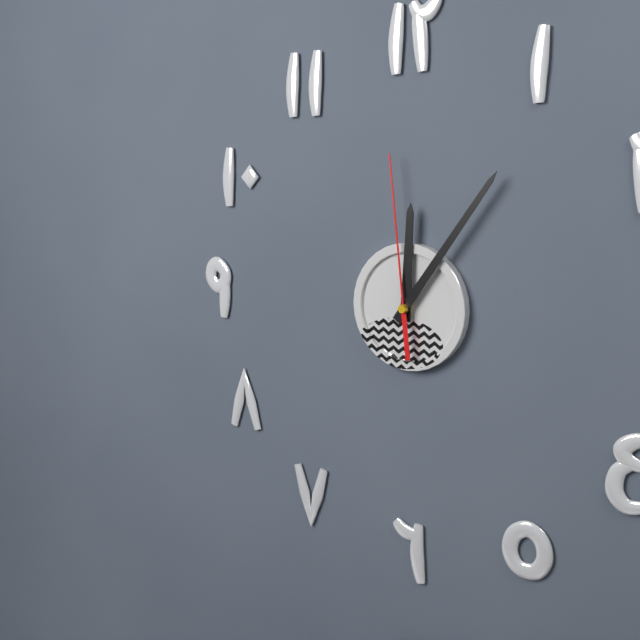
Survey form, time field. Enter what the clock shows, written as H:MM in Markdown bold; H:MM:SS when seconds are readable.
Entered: **12:06:59**
